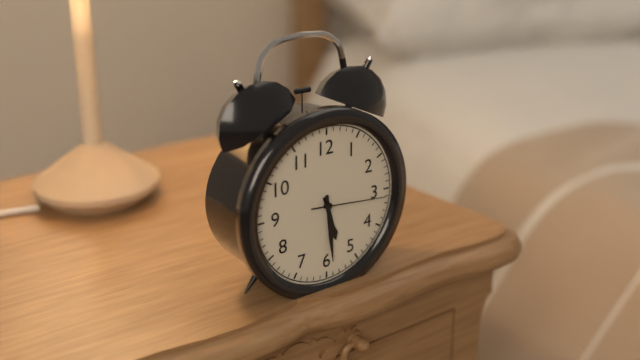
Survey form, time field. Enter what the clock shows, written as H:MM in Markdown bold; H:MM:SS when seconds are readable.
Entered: **5:29:16**
